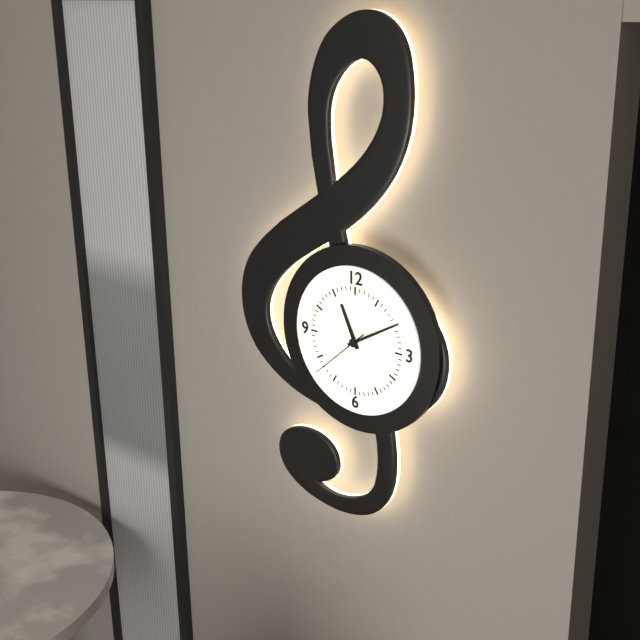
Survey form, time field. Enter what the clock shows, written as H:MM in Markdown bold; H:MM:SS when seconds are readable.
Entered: **11:10:38**
